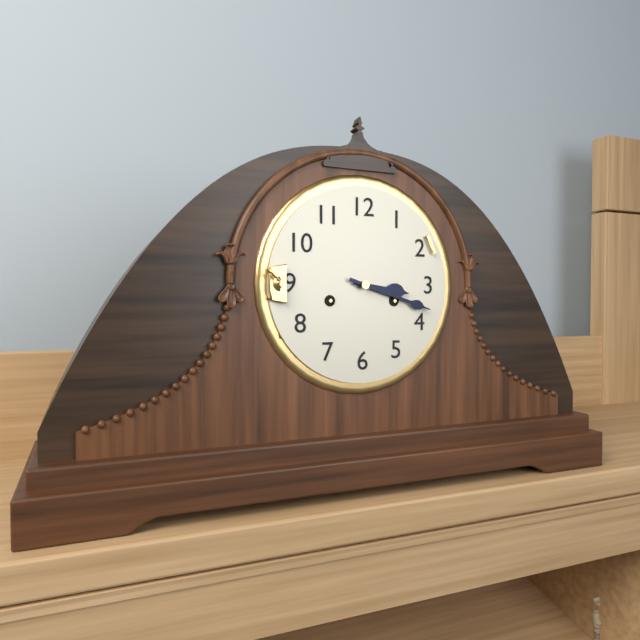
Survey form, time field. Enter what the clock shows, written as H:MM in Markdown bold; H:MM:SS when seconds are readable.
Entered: **3:18**
